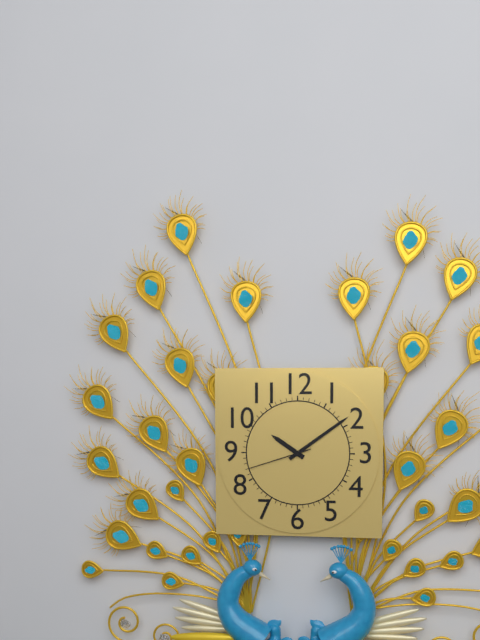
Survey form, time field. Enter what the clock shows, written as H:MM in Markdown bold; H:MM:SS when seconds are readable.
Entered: **10:09:42**
